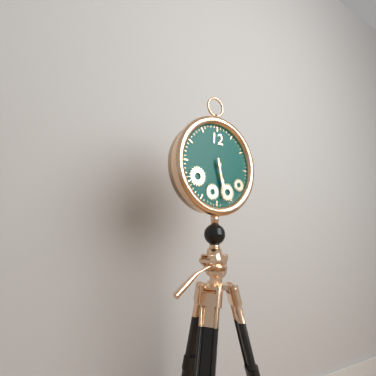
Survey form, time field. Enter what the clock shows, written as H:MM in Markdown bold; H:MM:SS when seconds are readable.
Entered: **5:28**
